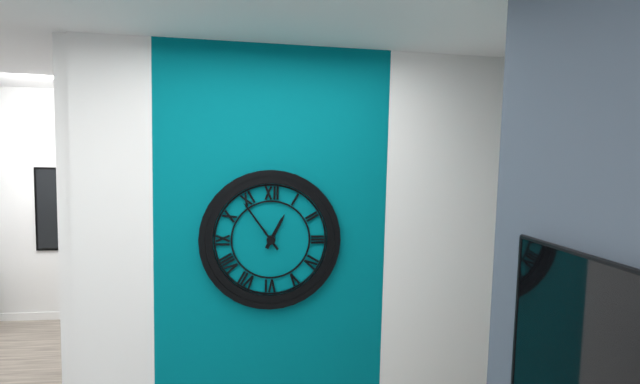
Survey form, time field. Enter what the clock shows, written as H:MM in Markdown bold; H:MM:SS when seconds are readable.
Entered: **12:54**
